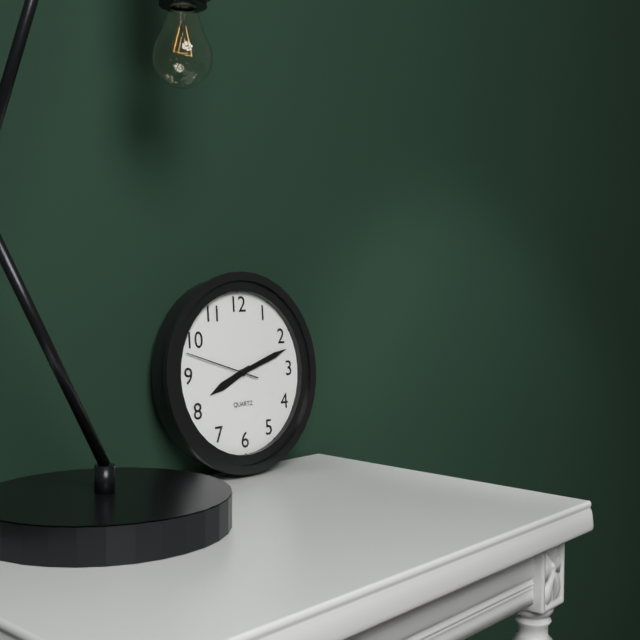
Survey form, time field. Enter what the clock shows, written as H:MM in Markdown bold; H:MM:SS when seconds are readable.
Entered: **8:12:48**
